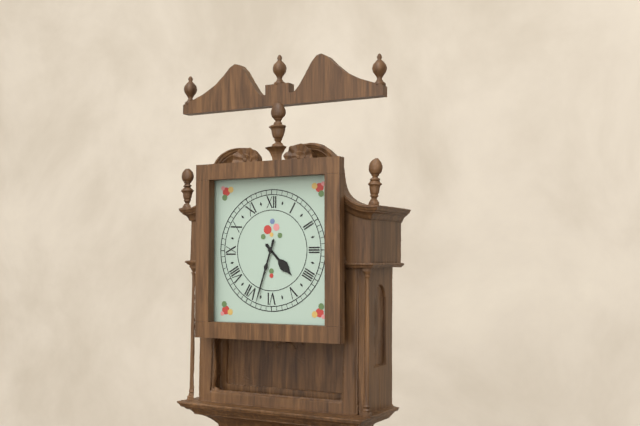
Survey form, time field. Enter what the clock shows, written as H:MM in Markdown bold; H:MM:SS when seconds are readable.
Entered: **4:33**
